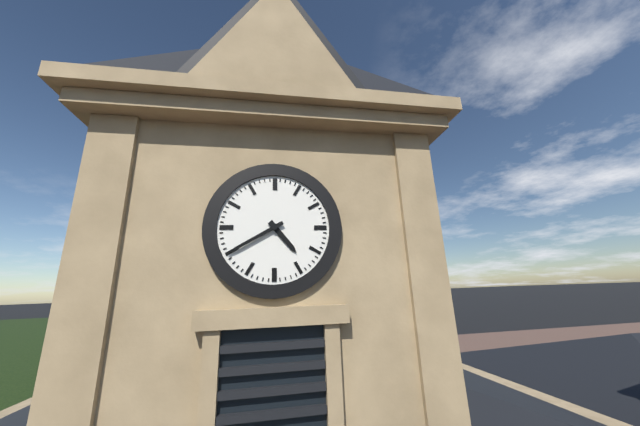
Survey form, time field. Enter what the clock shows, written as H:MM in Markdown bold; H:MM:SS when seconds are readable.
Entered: **4:40**
